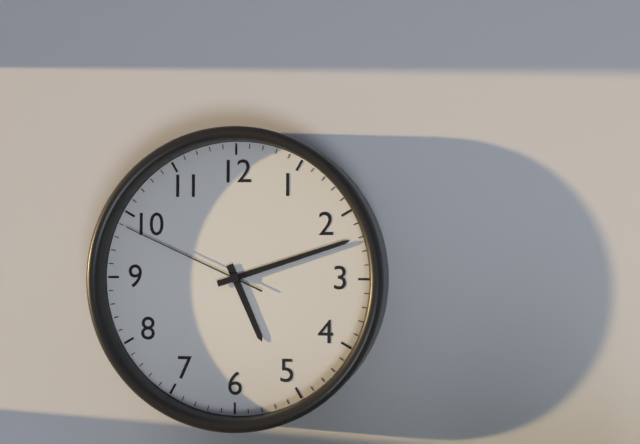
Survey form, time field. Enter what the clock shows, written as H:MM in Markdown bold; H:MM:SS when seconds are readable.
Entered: **5:12:49**
